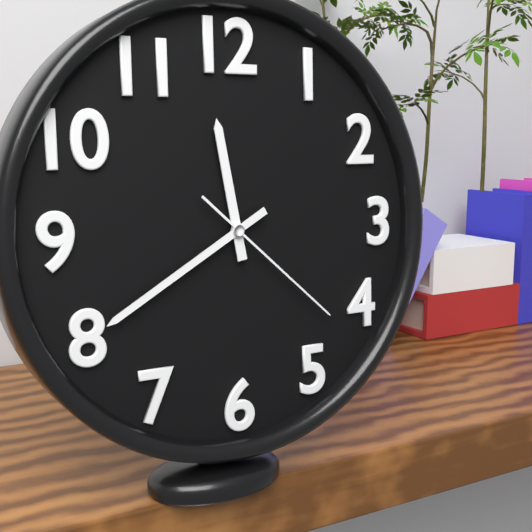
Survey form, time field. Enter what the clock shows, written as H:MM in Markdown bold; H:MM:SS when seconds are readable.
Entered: **11:40:22**
